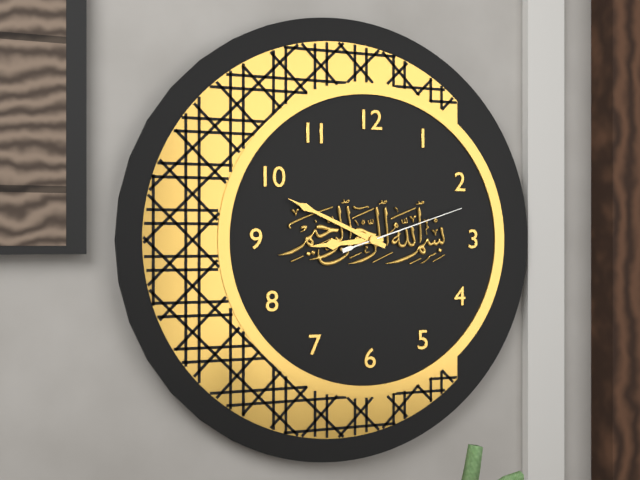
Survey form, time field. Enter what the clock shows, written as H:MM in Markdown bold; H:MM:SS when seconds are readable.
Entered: **8:49:12**
